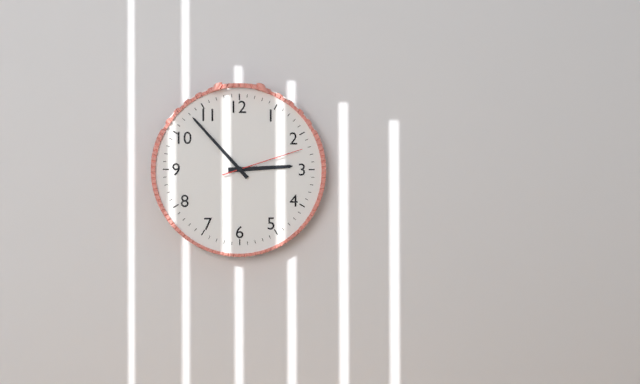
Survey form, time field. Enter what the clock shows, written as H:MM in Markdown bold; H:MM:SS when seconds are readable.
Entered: **2:53:12**
